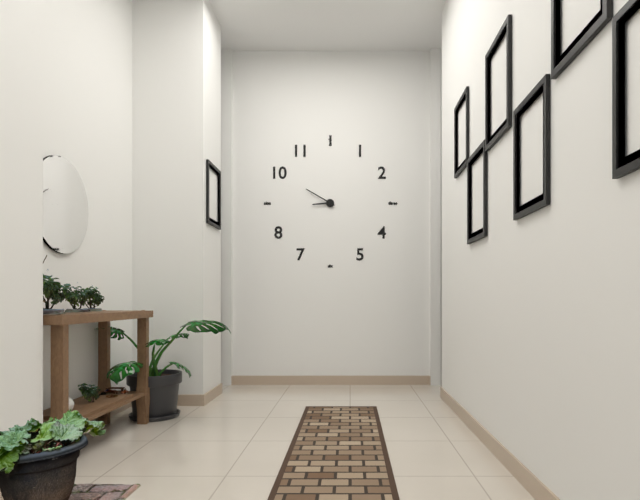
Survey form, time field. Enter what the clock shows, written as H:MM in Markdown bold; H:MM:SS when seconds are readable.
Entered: **8:50**
